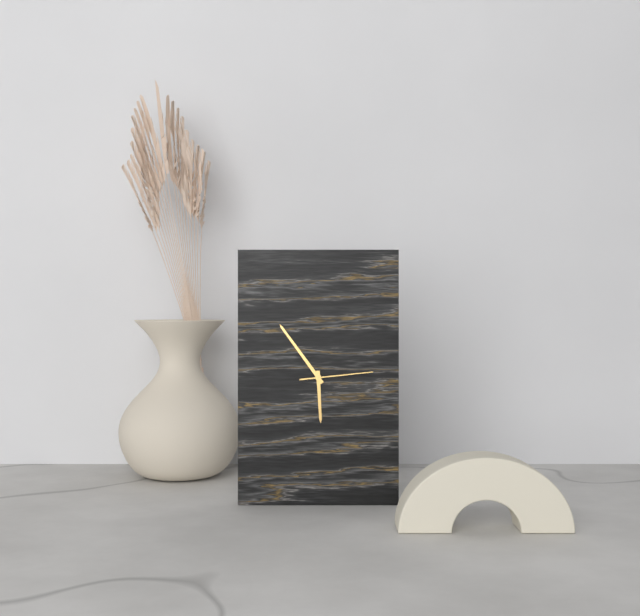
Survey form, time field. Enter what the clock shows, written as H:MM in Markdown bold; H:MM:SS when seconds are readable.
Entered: **5:54:14**
